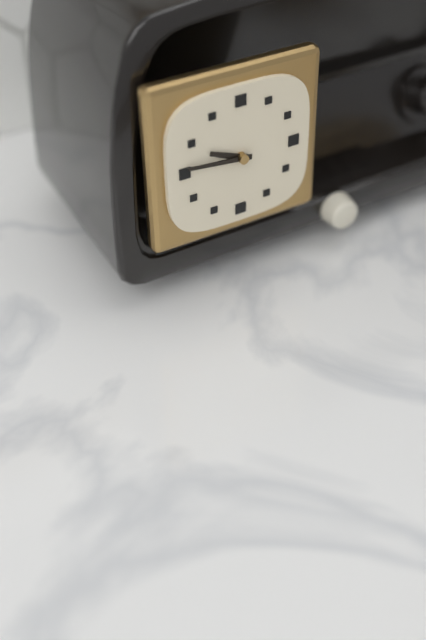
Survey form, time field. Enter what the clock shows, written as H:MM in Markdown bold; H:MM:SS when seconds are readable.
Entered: **9:46**
